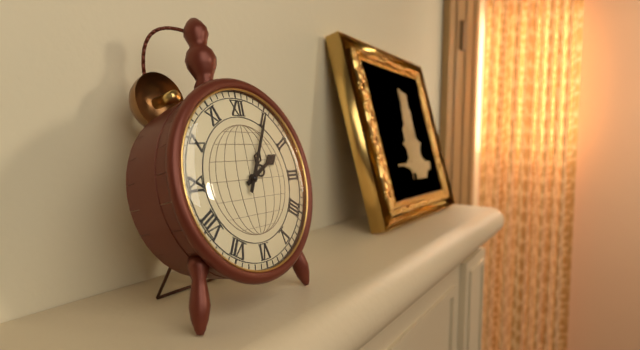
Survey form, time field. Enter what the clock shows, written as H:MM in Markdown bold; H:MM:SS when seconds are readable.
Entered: **2:05**
